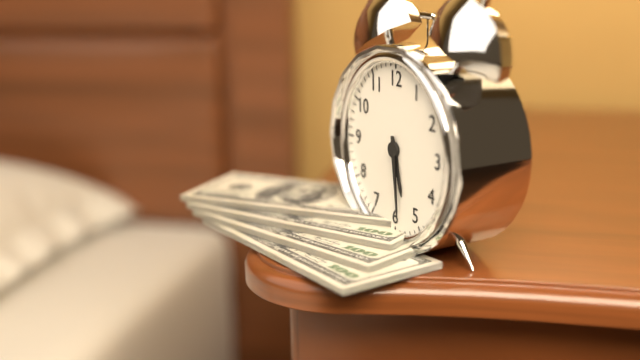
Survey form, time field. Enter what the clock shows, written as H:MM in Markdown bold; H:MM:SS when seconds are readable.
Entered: **5:29**
